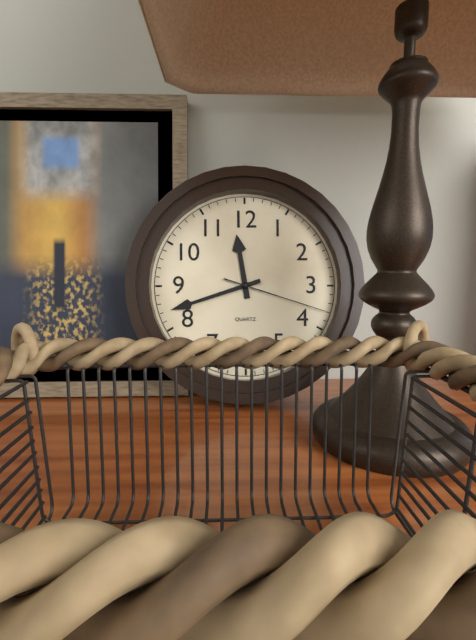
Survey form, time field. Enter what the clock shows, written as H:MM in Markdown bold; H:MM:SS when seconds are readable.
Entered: **11:42:18**
